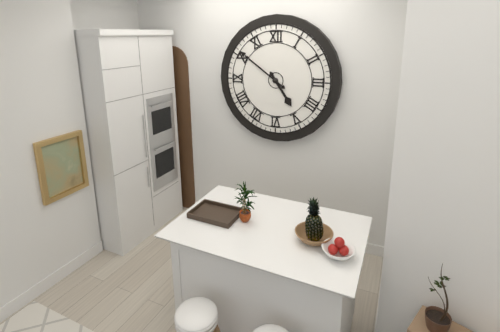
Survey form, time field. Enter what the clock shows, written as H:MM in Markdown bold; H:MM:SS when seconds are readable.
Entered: **4:51**
